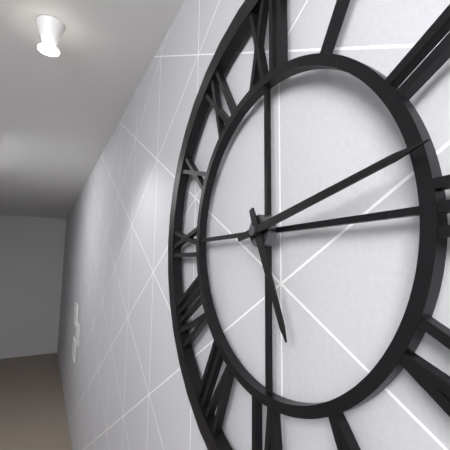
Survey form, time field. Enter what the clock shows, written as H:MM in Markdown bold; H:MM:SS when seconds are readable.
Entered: **5:13**
